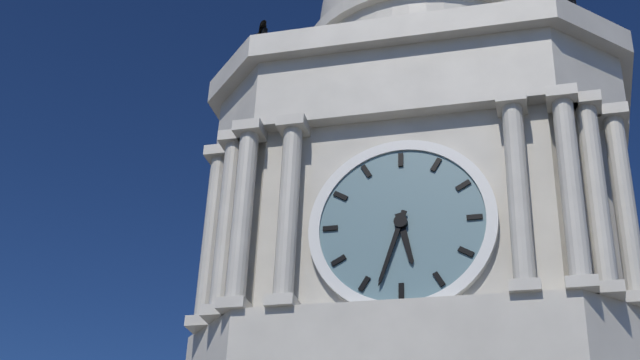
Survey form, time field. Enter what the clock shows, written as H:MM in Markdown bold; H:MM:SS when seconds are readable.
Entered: **5:33**
